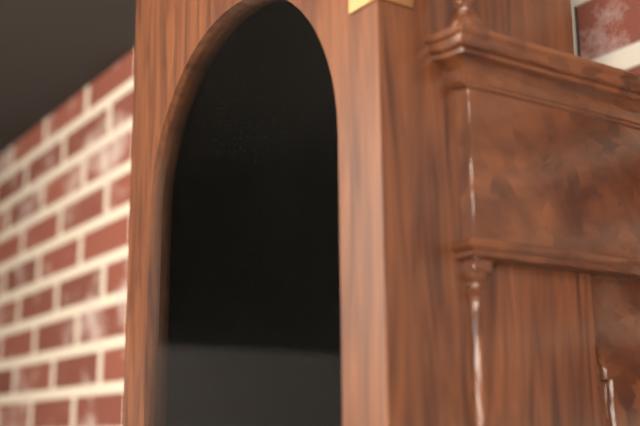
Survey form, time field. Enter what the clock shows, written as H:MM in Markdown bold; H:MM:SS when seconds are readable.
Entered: **3:32**
